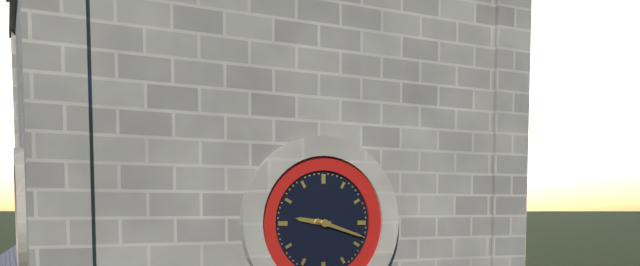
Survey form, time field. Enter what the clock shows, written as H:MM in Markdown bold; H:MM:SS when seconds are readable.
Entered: **9:18**
